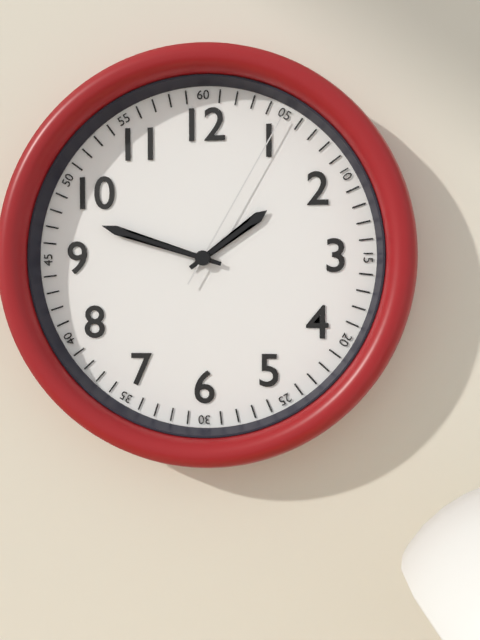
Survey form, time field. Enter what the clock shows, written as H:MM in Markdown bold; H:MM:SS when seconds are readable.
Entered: **1:48:05**
